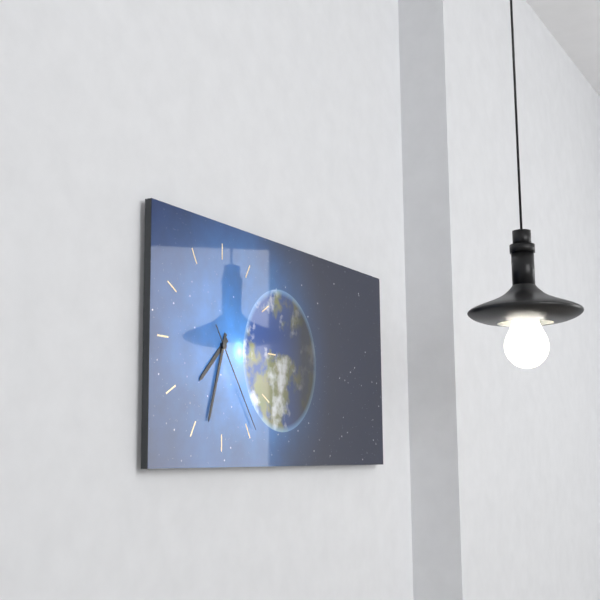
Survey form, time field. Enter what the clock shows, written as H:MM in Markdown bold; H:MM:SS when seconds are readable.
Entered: **7:33:24**
